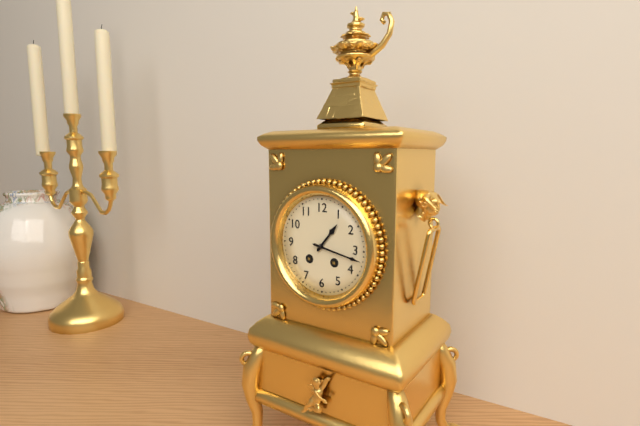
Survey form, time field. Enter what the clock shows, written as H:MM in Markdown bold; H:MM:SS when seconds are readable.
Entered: **1:17**
